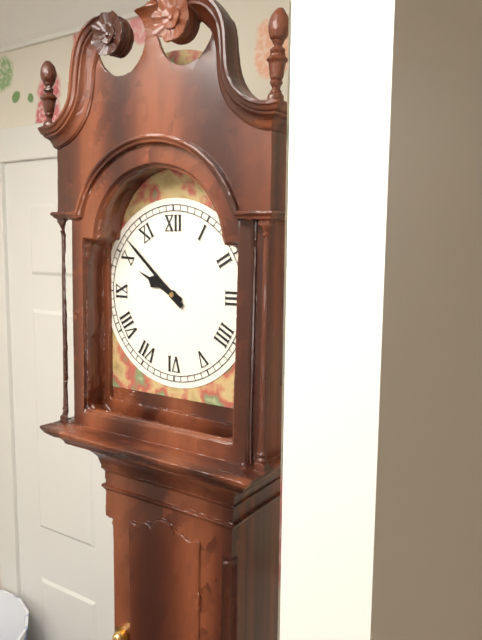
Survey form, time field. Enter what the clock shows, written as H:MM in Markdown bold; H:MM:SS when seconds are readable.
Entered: **9:52**
